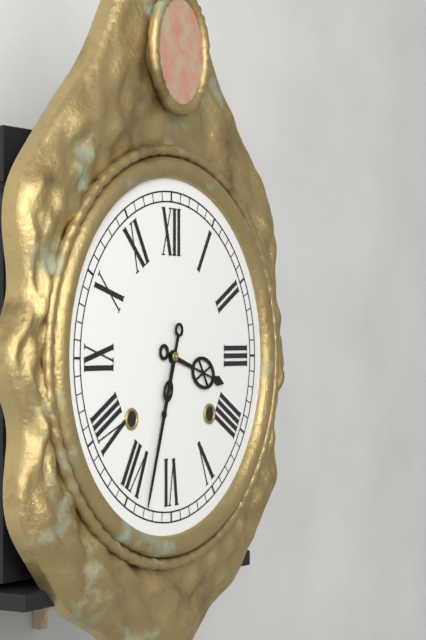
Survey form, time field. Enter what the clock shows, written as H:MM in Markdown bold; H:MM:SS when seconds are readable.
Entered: **3:33**
